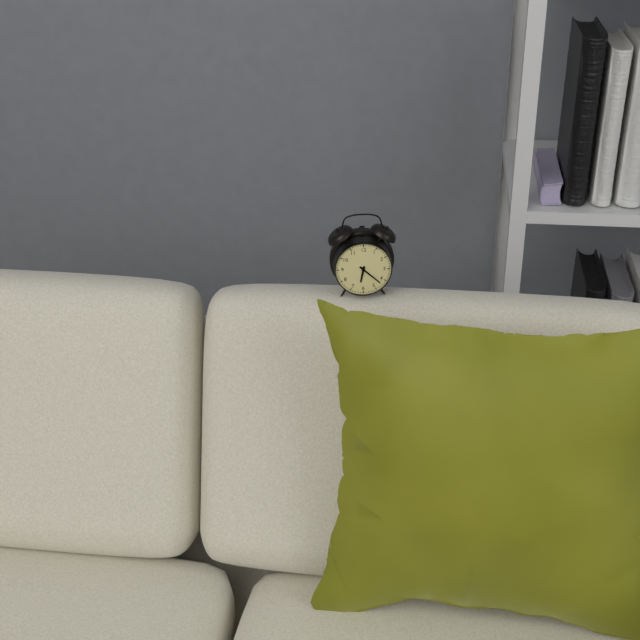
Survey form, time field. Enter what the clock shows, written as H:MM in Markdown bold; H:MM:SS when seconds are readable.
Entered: **6:22**
